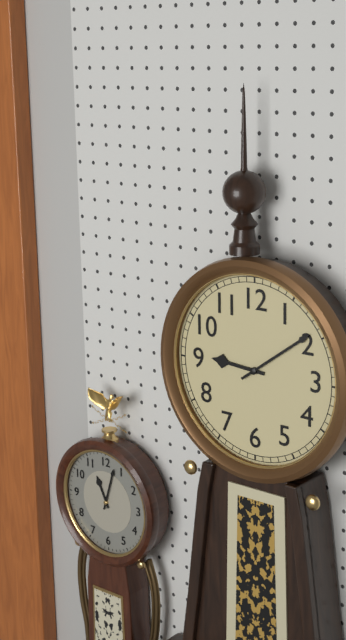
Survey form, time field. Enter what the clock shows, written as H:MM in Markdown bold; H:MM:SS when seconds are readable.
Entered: **9:09**
